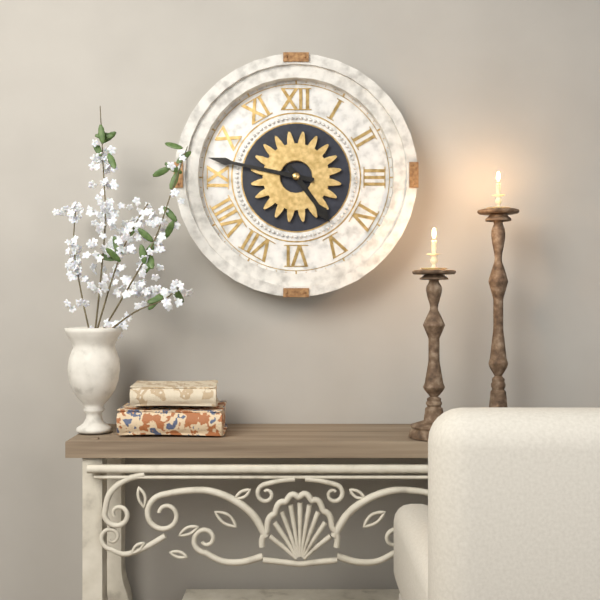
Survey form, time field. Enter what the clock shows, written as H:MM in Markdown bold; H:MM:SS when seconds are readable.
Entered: **4:47**
